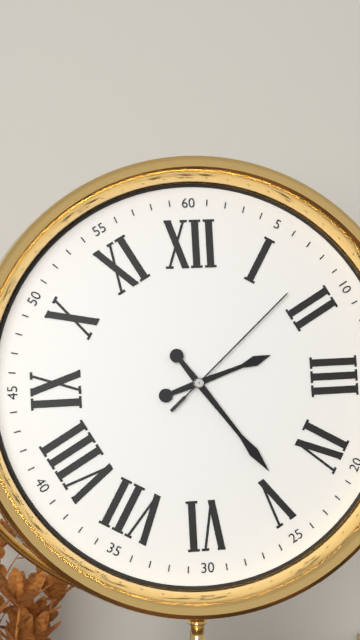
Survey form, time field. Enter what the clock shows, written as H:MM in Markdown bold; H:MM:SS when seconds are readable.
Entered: **2:24:08**
